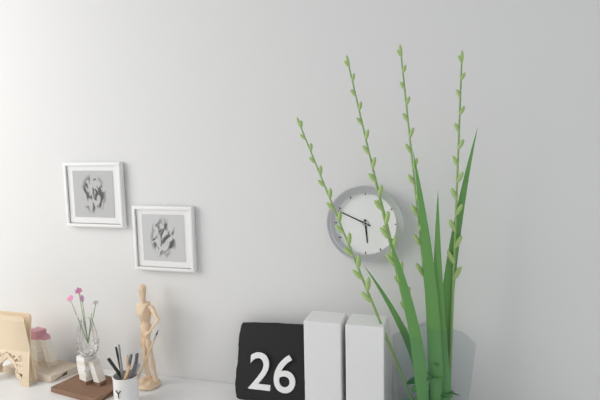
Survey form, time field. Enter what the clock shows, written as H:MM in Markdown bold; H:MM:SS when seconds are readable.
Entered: **5:49**
